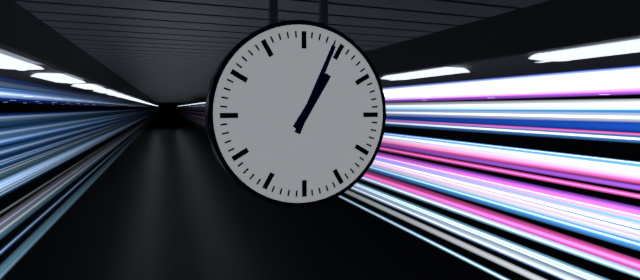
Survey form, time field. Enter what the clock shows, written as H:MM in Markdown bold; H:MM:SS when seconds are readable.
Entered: **1:04**
